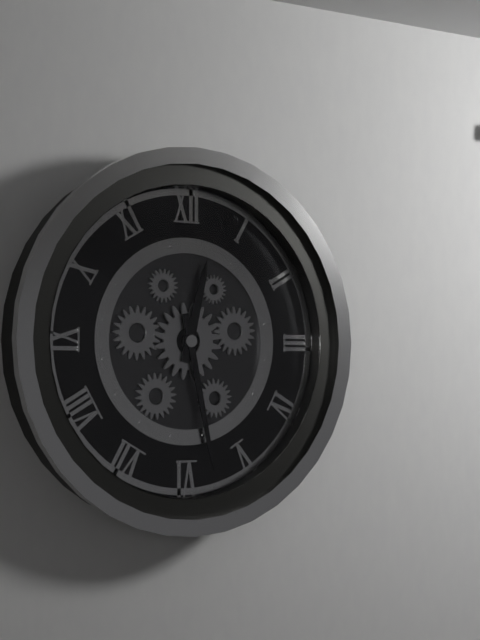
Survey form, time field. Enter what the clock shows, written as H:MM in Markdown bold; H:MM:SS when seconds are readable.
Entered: **12:28**
